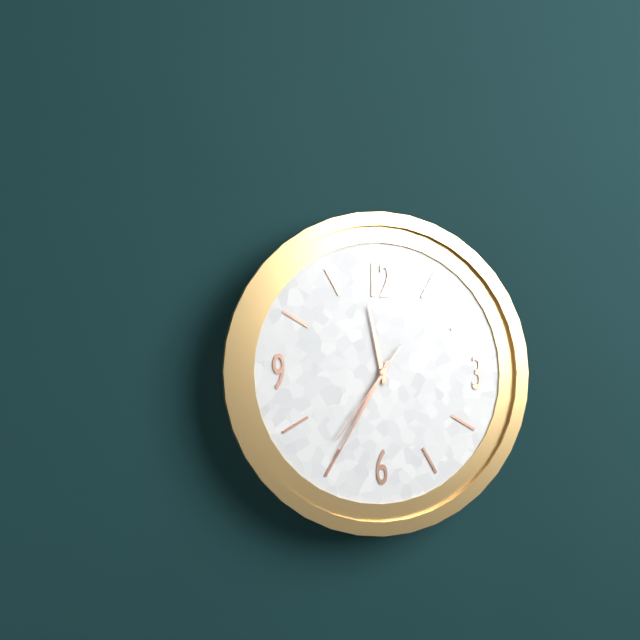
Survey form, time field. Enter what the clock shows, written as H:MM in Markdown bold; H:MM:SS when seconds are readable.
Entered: **11:35:36**
